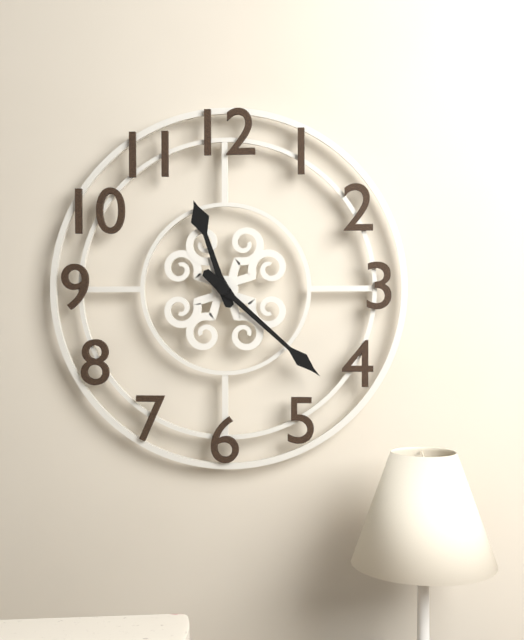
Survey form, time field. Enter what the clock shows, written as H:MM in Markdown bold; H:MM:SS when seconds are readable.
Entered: **11:22**
